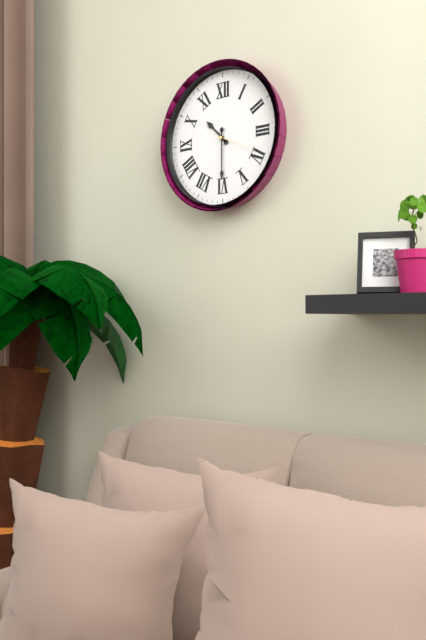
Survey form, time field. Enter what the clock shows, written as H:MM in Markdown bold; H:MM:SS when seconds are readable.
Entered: **10:30**
